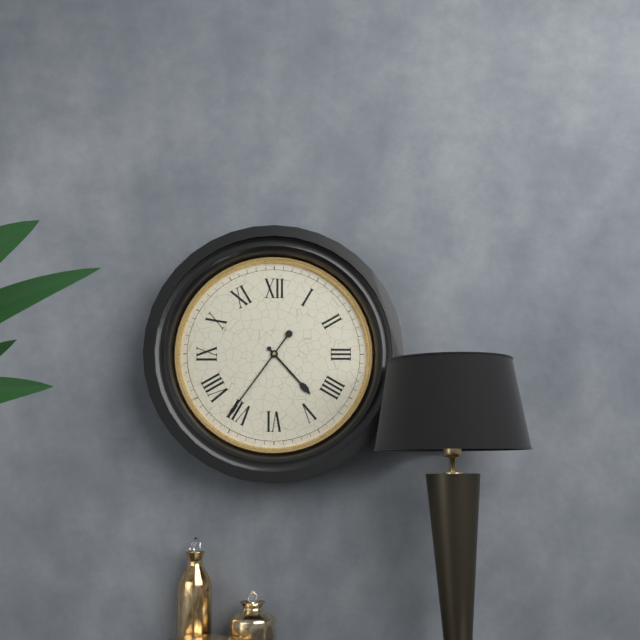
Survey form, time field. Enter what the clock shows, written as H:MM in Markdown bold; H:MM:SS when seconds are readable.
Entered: **4:36**
